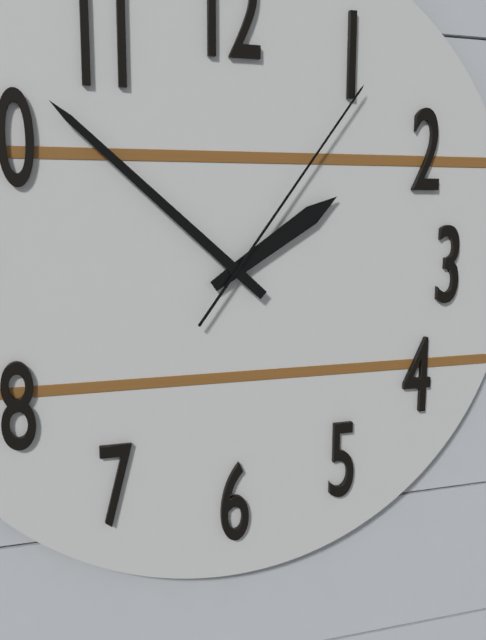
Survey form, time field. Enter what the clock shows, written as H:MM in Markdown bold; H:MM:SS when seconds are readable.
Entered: **1:52:06**
